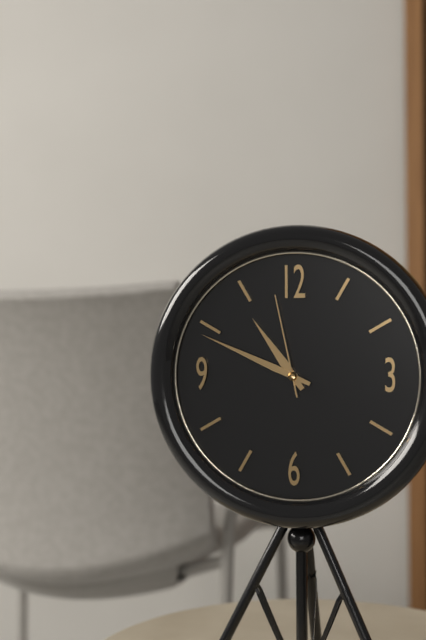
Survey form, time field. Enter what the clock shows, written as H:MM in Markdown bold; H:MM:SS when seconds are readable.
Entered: **10:49:58**
